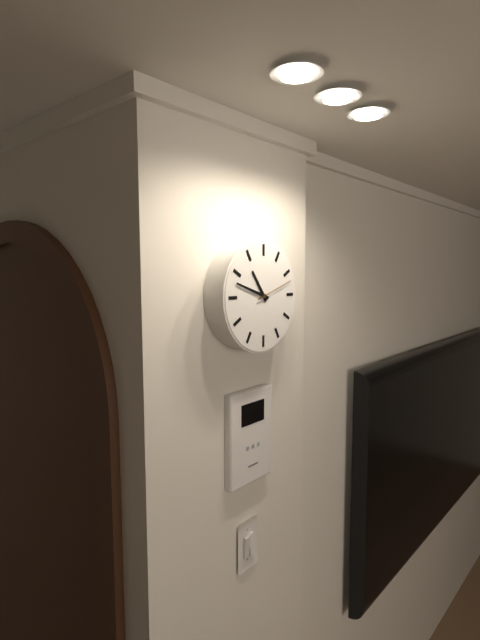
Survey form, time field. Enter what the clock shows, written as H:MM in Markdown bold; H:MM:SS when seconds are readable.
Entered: **10:48**
